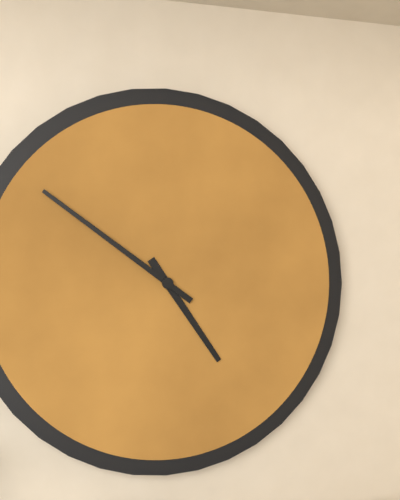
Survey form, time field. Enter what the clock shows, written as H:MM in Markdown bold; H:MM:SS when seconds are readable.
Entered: **4:51**
